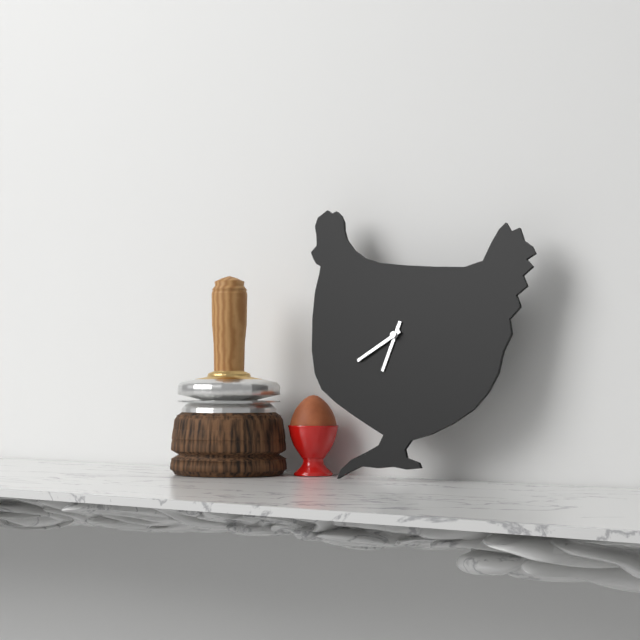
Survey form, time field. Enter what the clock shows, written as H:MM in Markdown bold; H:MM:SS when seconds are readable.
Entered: **6:40**
